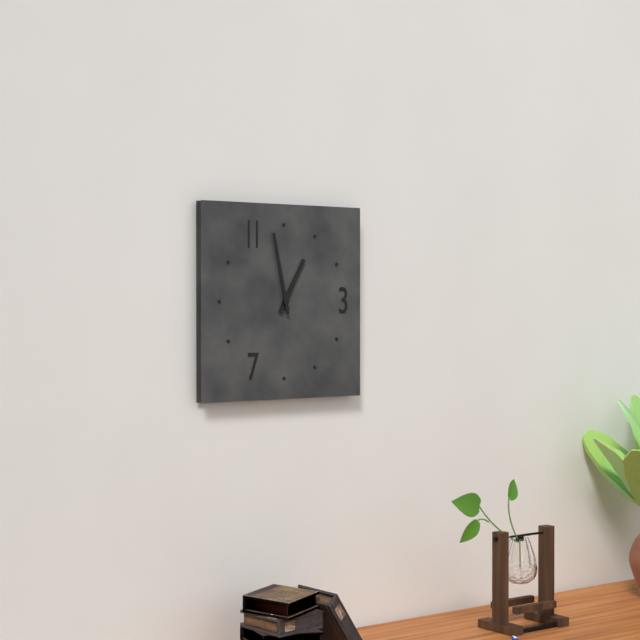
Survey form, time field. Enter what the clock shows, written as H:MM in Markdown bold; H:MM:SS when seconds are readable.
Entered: **12:58**
